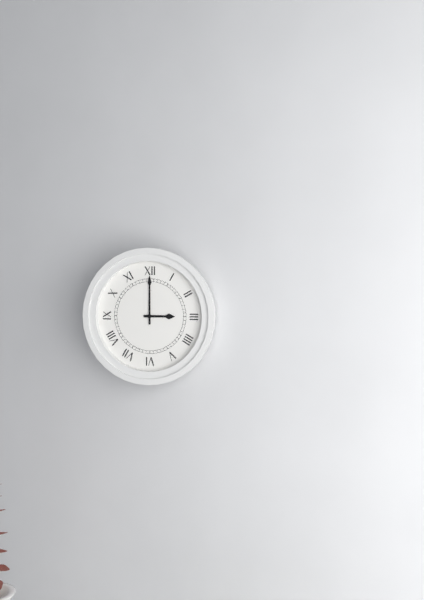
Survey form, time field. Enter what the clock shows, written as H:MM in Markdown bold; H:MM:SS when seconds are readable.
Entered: **3:00**
